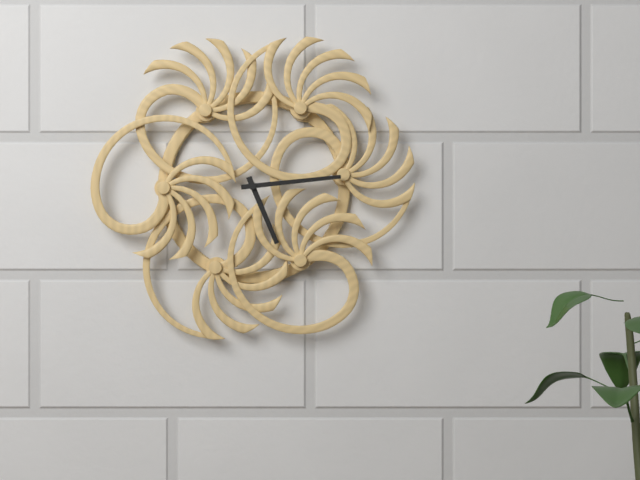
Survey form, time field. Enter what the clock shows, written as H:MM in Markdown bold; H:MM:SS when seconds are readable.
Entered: **5:14**
